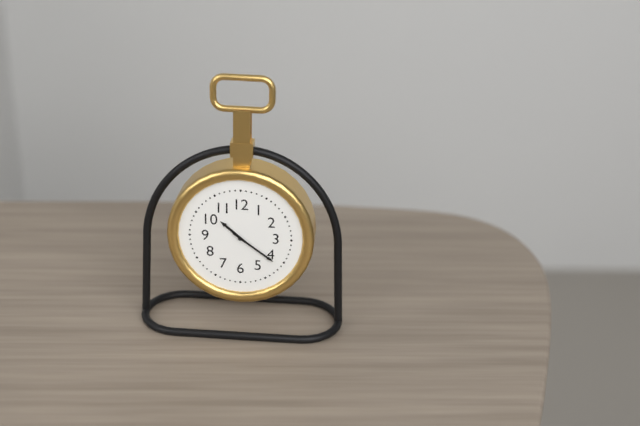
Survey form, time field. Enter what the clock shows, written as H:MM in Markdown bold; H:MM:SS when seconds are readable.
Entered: **10:21**
